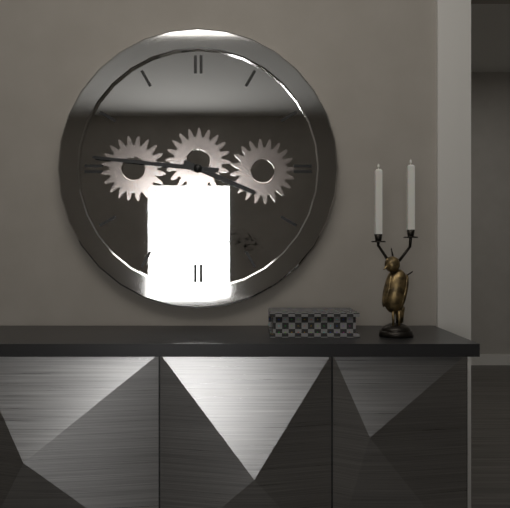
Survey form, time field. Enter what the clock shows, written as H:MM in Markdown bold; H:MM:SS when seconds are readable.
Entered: **3:46**
